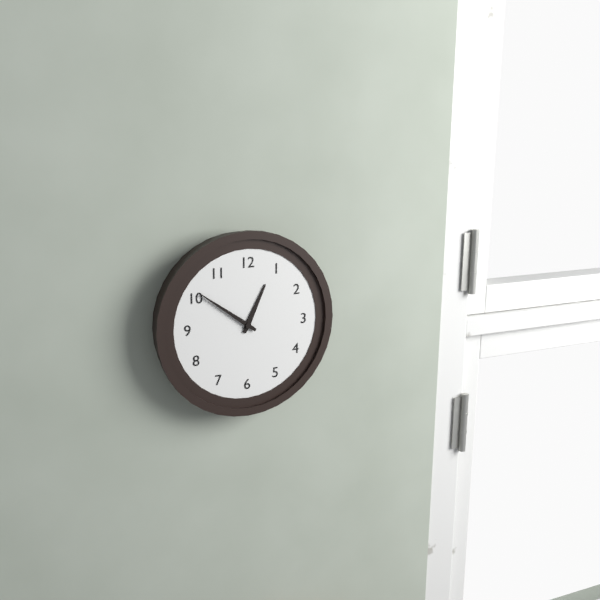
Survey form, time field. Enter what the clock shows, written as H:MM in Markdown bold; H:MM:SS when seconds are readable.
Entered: **12:51**
